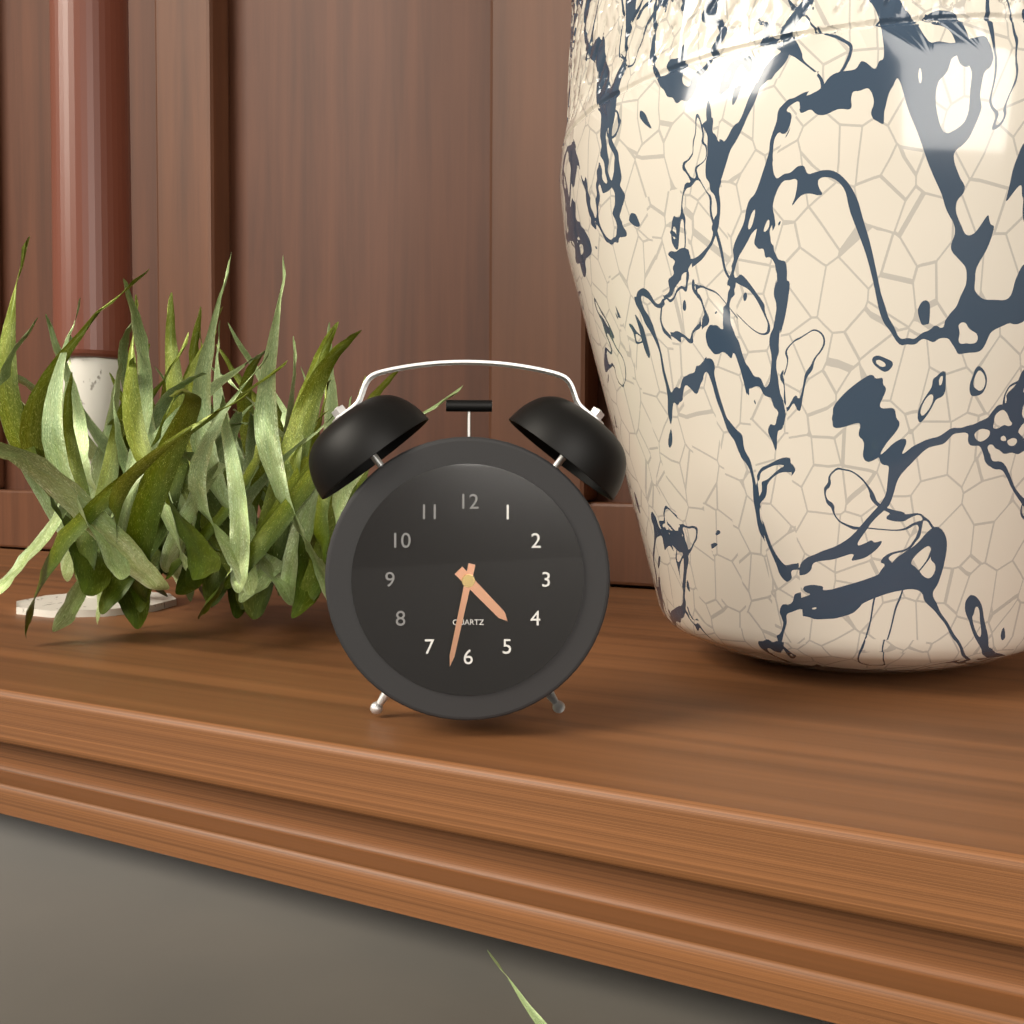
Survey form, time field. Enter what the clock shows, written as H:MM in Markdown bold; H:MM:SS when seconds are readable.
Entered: **4:32**
